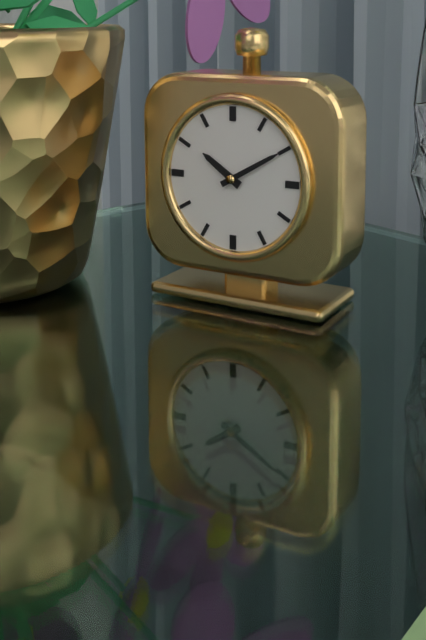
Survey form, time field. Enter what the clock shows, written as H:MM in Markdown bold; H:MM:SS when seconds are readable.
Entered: **10:10**
